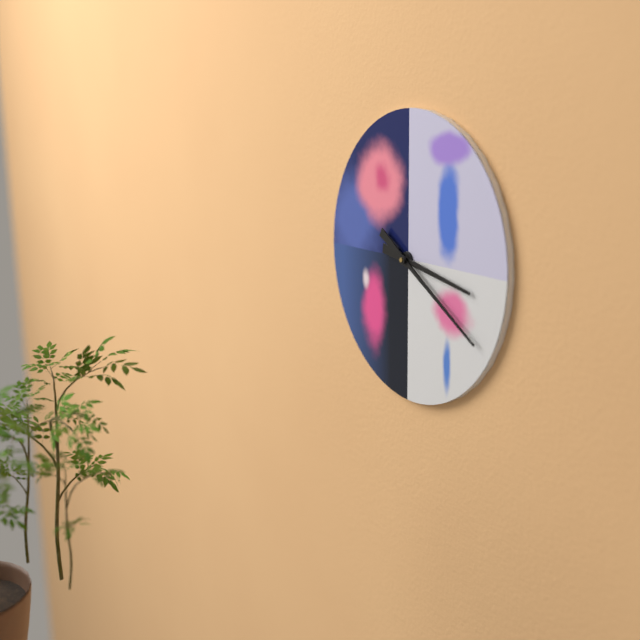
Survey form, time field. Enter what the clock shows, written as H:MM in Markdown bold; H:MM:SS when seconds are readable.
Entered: **3:20**
